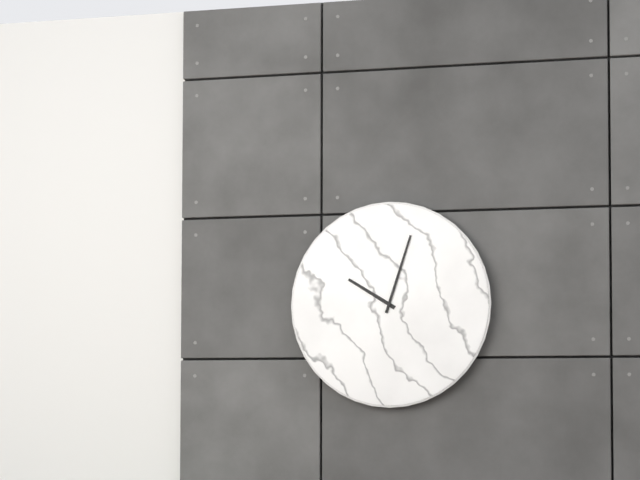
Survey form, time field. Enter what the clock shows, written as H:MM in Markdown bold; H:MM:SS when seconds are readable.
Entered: **10:03**
